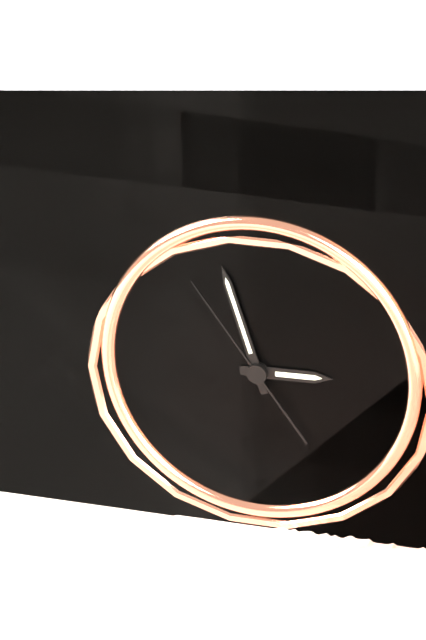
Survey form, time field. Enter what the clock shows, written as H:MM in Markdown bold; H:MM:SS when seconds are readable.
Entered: **2:57:54**
